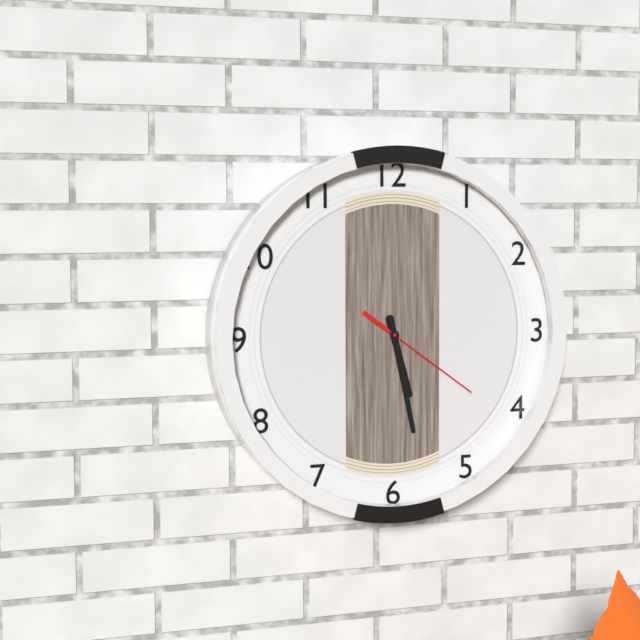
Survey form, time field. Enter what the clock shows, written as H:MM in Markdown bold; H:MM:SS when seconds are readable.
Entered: **5:28:21**
